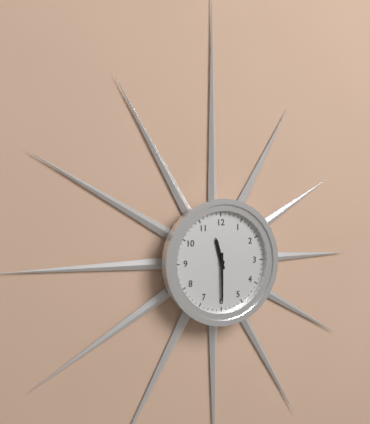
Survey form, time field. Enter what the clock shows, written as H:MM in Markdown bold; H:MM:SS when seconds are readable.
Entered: **11:30**
